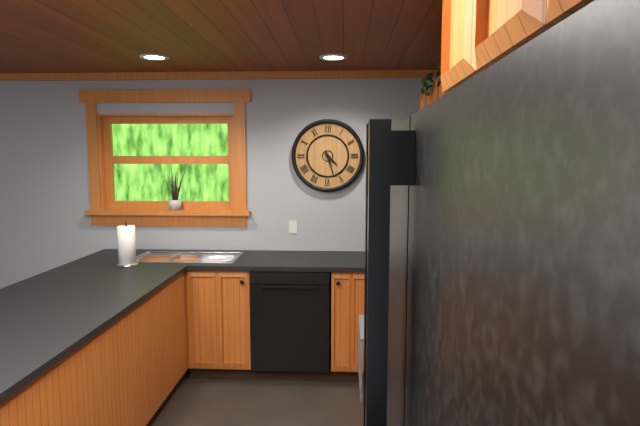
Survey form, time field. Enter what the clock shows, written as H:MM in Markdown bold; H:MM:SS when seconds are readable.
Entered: **4:27**
